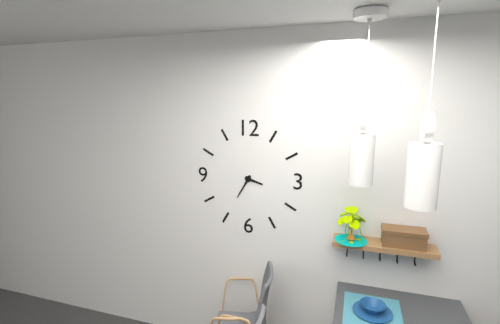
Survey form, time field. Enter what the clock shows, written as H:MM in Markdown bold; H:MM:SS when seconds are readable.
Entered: **3:35**
